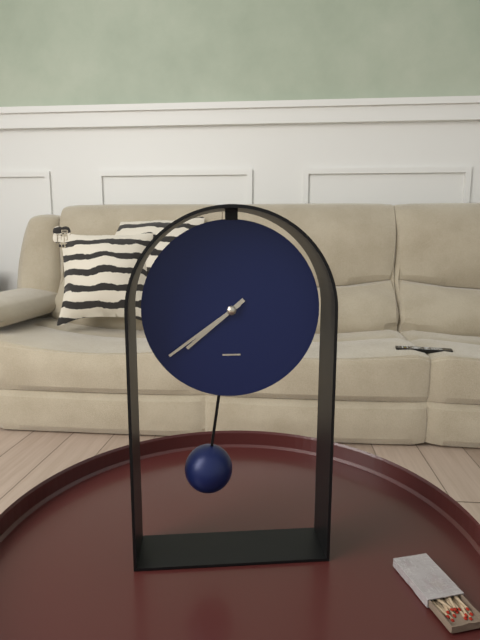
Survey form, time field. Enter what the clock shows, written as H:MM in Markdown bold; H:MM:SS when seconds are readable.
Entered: **7:39**
